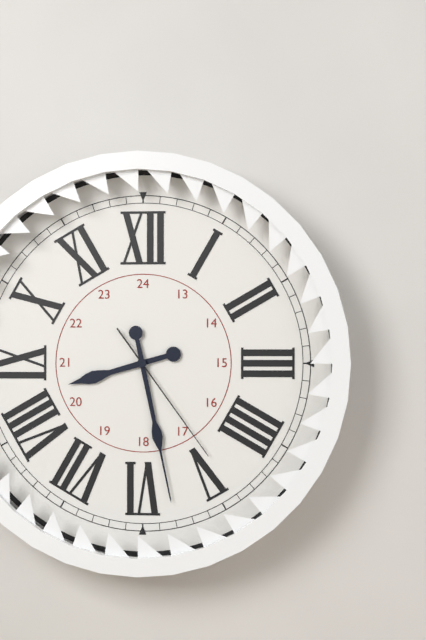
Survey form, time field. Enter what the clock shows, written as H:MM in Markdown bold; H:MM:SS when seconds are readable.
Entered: **8:28:24**
